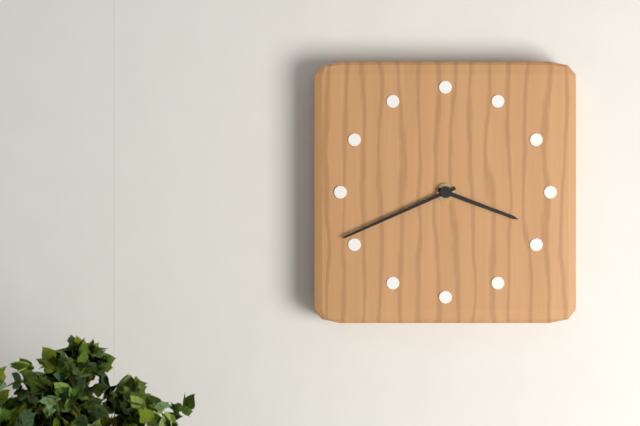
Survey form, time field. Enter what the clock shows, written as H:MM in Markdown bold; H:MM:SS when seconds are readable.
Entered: **3:41**
